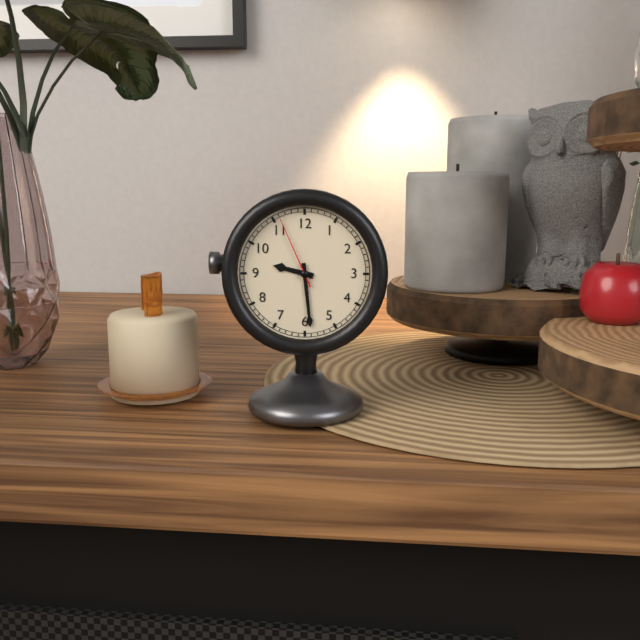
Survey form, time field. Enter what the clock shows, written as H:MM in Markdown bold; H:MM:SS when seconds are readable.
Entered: **9:29:56**
